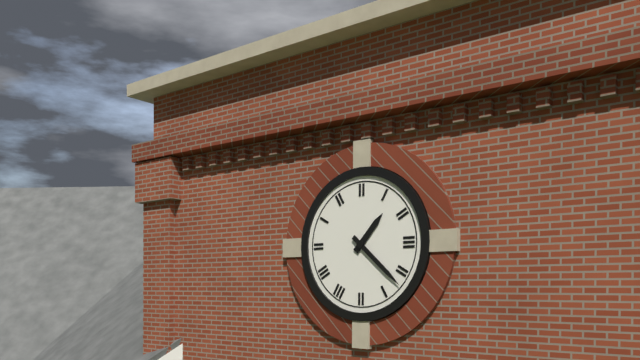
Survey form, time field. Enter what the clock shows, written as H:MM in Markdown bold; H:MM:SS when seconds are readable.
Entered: **1:22**
